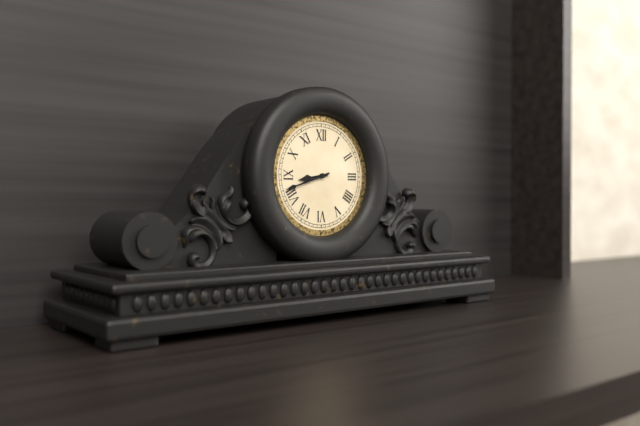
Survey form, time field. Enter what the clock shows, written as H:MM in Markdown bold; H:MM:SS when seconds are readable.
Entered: **8:42**
